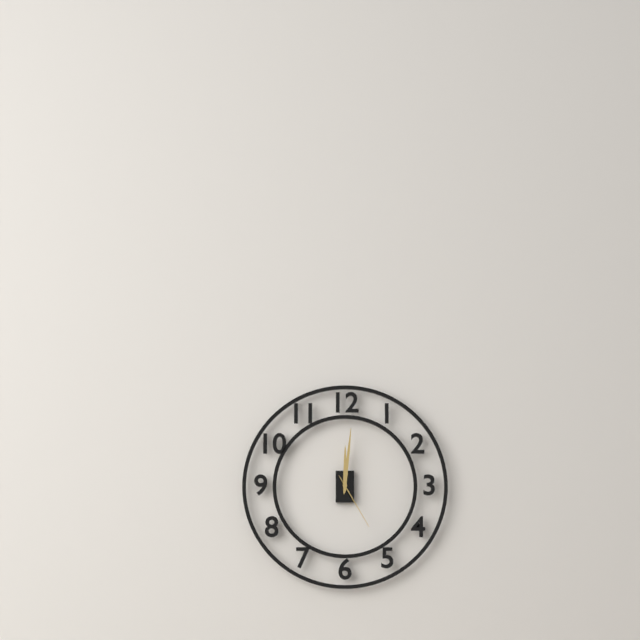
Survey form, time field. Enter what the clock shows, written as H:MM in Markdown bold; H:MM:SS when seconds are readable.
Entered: **12:01:25**
